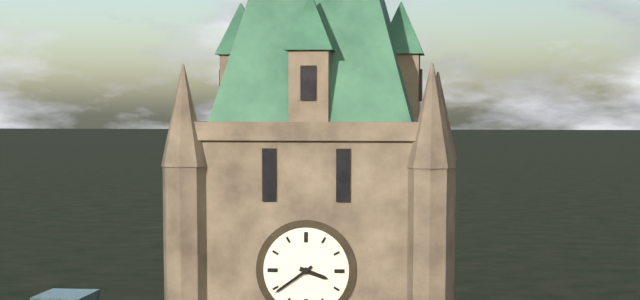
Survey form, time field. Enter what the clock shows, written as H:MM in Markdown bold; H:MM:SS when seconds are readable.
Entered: **3:39**
